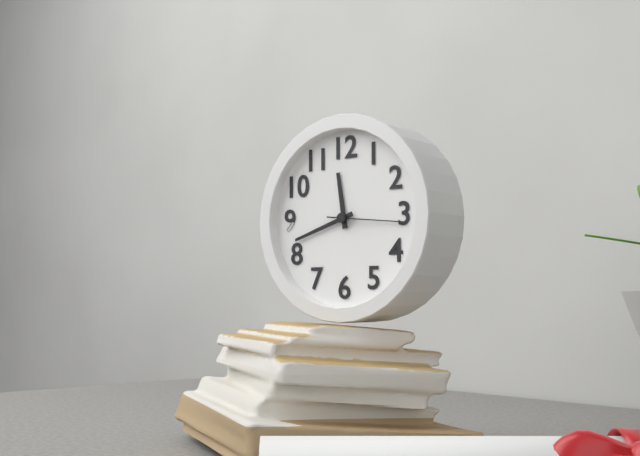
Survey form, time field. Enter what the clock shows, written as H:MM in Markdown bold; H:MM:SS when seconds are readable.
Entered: **11:42:16**
